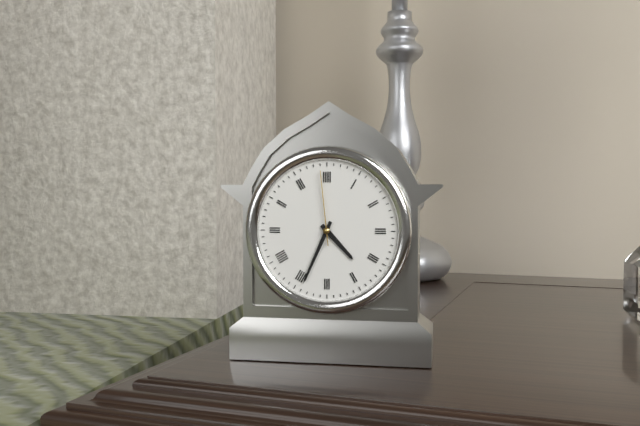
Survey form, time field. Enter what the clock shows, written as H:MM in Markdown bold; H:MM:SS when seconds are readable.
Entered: **4:34:59**
